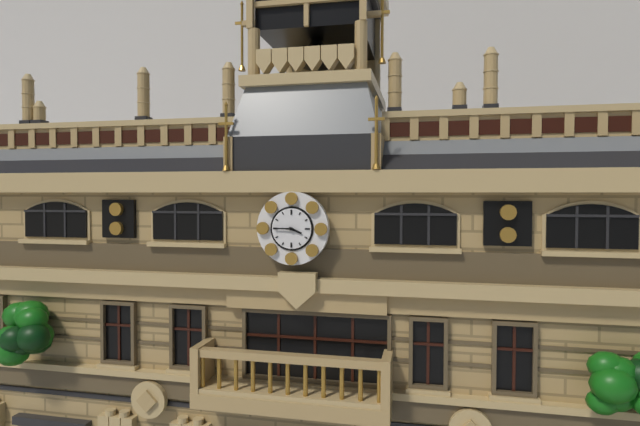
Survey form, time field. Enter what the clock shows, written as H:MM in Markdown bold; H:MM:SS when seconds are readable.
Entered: **3:45**
